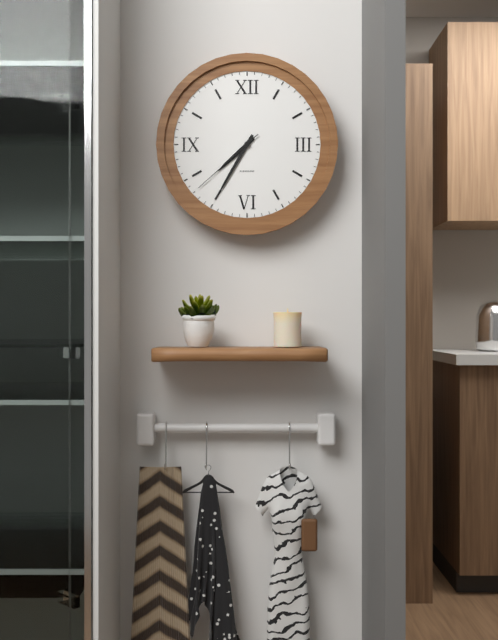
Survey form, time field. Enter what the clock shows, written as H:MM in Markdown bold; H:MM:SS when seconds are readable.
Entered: **7:35:38**
